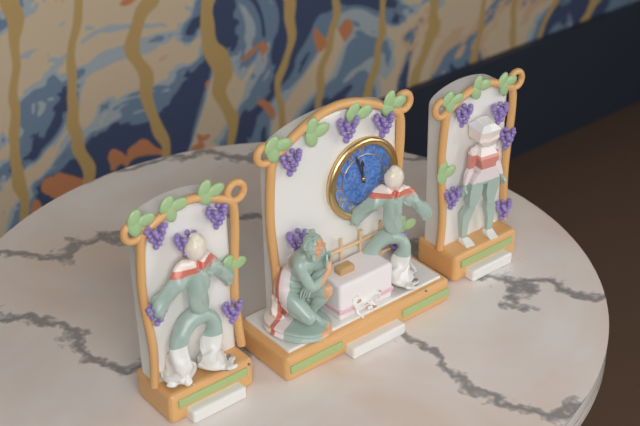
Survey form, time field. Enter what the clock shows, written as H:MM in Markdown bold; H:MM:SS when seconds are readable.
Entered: **11:57**
